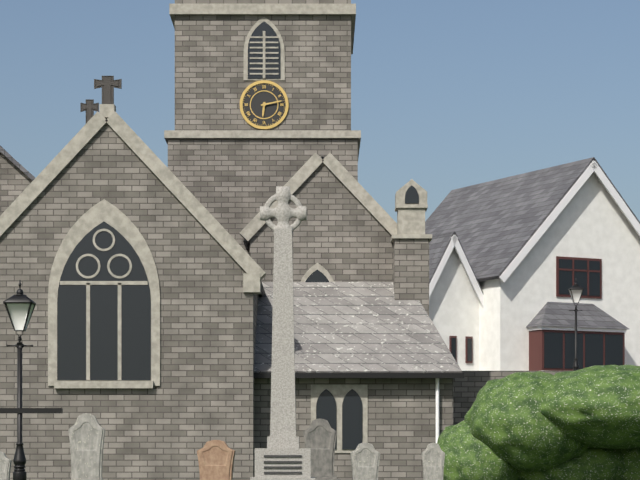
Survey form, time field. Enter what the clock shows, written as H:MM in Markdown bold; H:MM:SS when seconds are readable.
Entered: **6:13**
